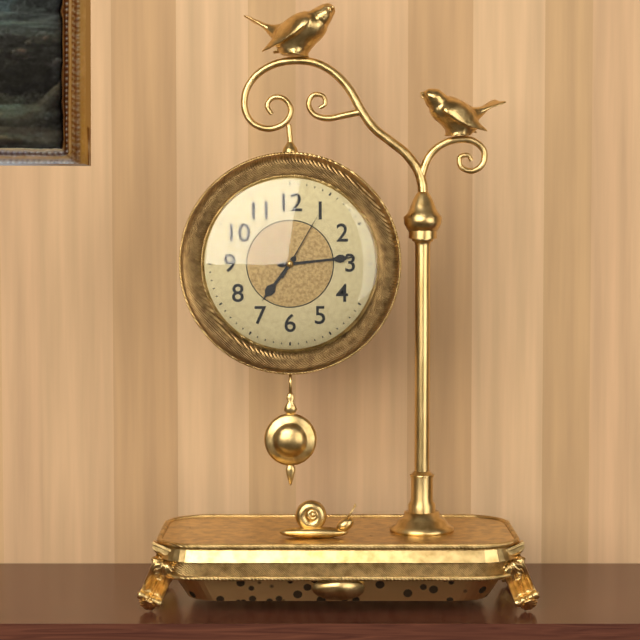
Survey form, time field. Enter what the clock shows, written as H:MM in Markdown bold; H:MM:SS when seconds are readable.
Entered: **7:14:05**
